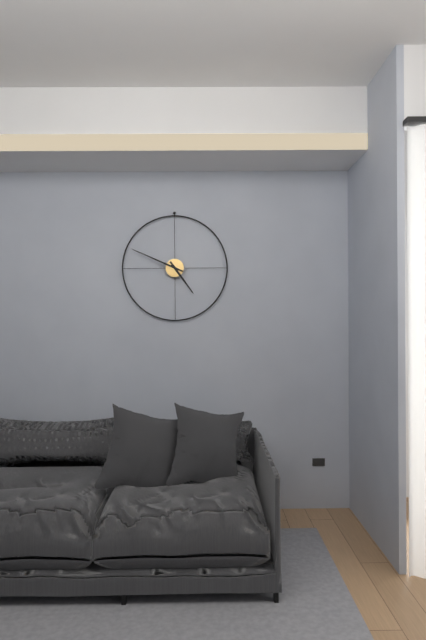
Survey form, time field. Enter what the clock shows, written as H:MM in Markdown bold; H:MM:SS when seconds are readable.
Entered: **4:49**
